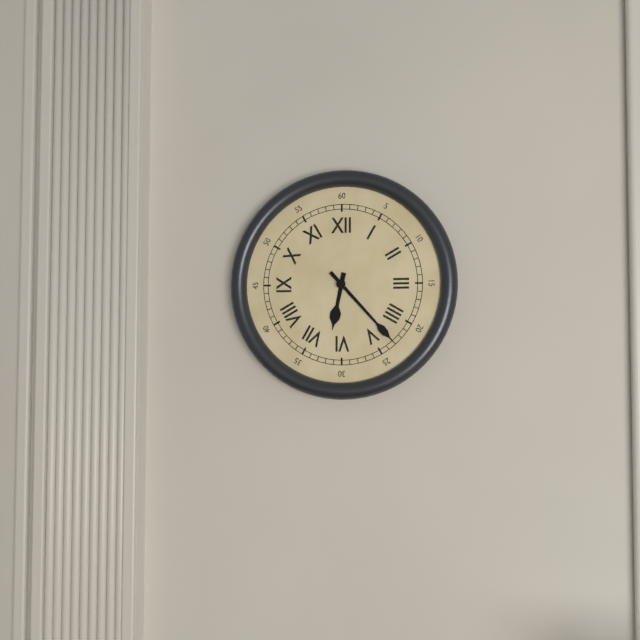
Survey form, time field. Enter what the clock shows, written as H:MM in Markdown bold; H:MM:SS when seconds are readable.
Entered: **6:23**
